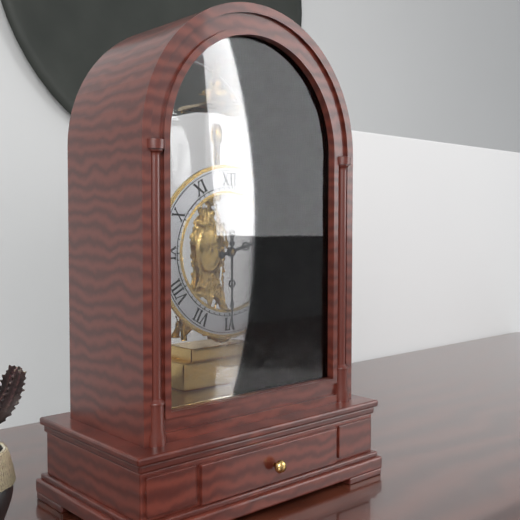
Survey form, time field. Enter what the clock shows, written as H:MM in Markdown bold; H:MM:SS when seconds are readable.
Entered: **2:30**
